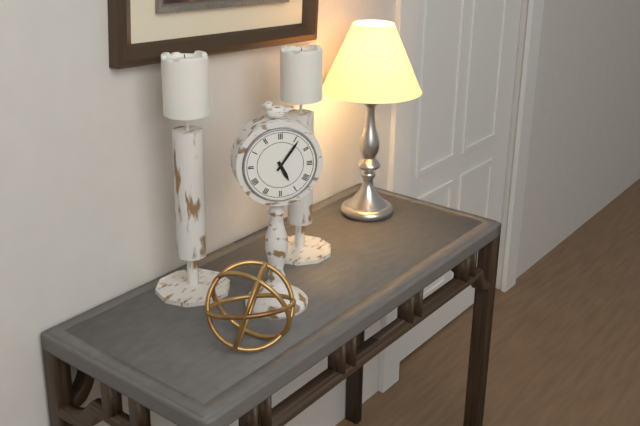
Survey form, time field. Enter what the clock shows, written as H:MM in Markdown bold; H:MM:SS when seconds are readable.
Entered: **5:06**
